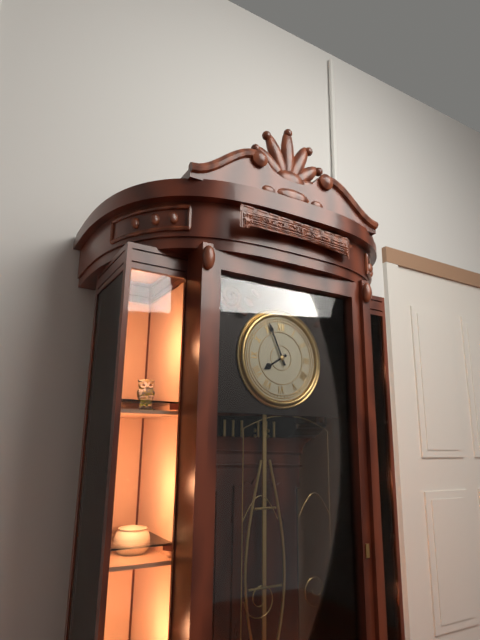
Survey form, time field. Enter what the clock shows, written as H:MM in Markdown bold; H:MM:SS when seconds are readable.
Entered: **7:56**
